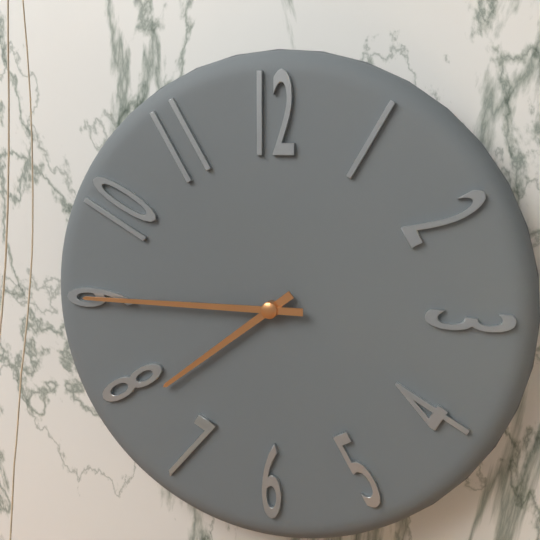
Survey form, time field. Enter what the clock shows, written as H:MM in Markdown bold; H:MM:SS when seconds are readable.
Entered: **7:45**
